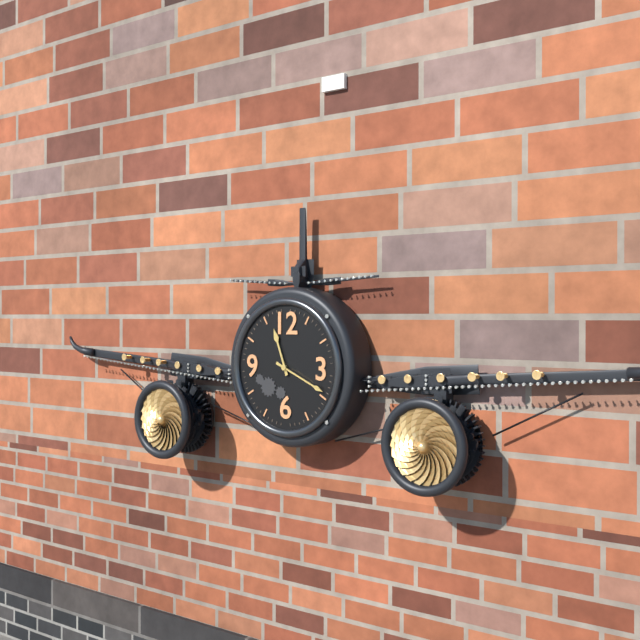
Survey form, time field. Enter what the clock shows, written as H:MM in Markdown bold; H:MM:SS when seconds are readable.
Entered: **11:19**
